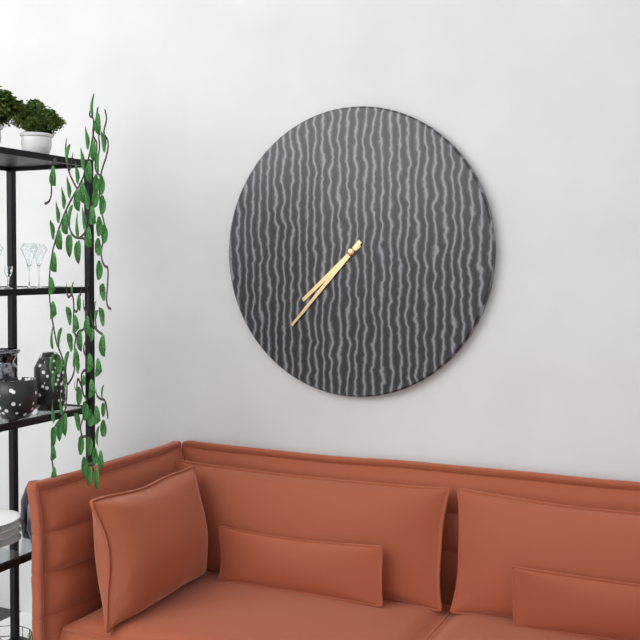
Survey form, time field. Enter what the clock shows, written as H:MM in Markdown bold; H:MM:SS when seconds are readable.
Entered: **7:37**
